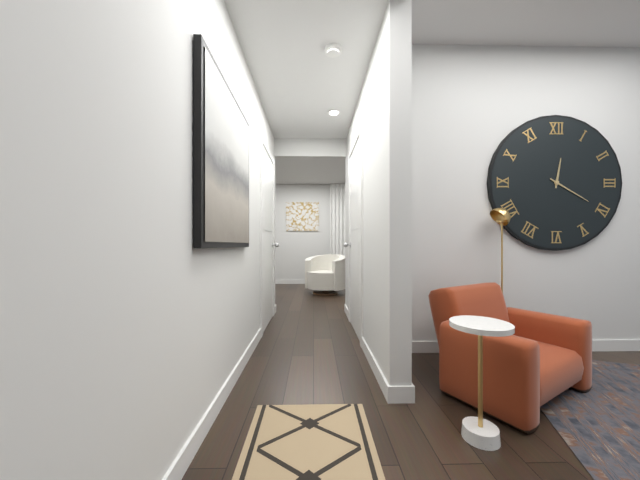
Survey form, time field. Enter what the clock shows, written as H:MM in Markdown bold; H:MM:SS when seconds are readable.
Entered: **12:20**
